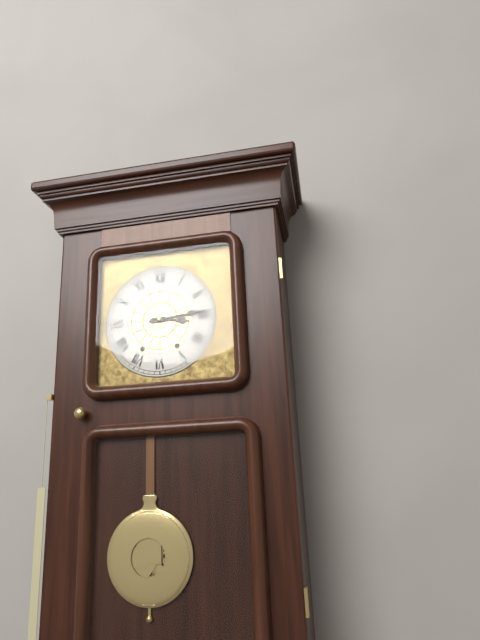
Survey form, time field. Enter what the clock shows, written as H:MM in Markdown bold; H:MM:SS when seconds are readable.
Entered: **3:14**
